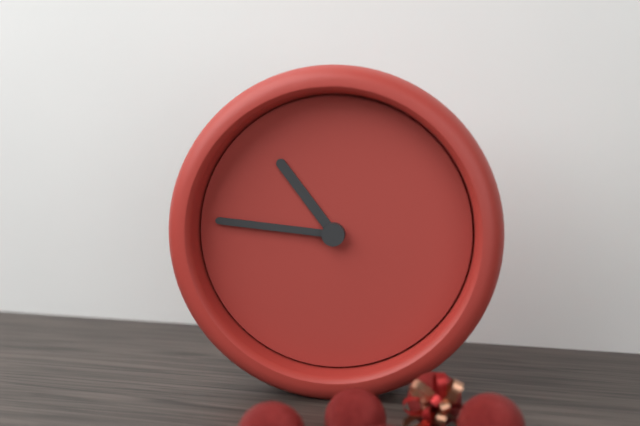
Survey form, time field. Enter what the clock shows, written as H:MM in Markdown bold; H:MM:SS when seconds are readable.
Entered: **10:46**
